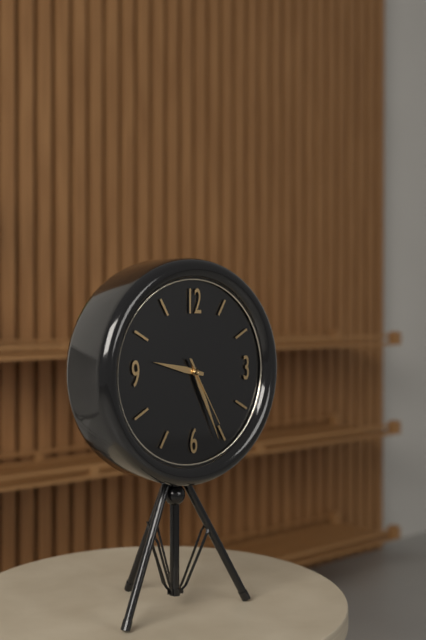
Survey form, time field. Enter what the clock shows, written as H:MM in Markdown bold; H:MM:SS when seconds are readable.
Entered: **9:26:25**
